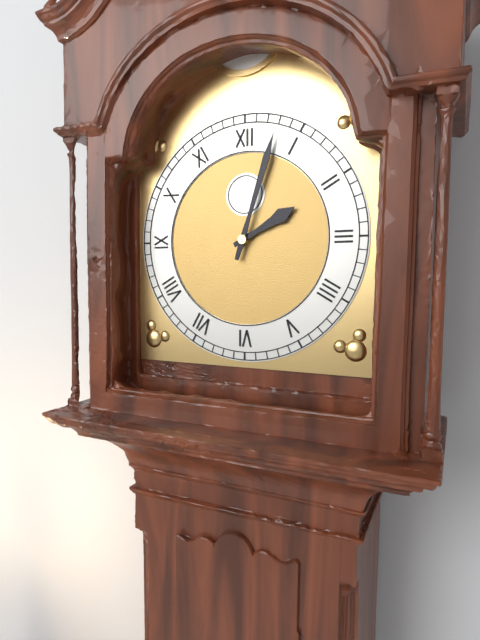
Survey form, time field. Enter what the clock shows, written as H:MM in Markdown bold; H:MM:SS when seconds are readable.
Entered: **2:03**
